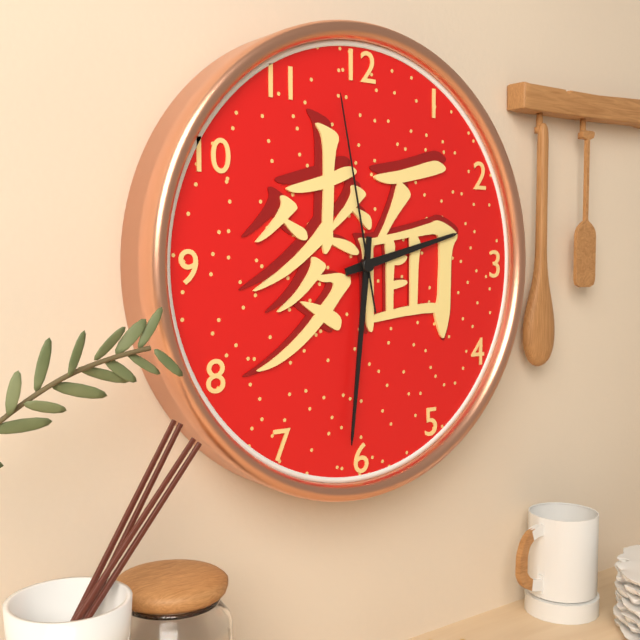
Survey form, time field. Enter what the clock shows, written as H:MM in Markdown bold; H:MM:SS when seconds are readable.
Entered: **2:31:58**
